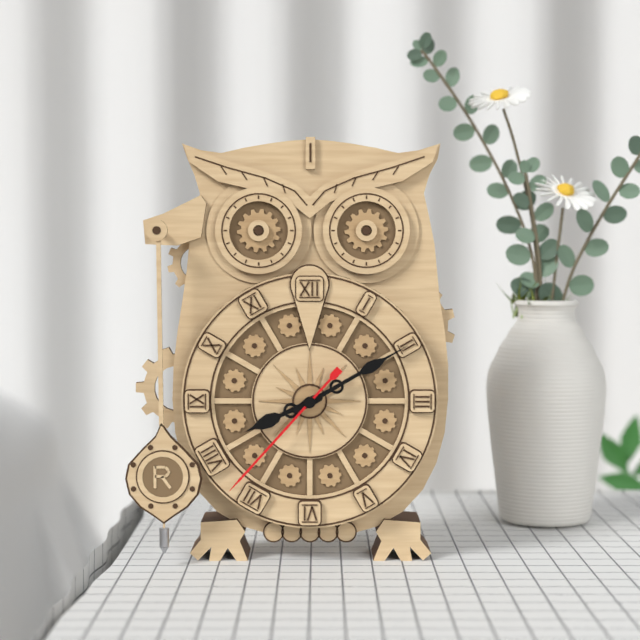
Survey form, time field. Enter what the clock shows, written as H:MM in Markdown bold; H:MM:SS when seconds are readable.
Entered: **8:10:37**
